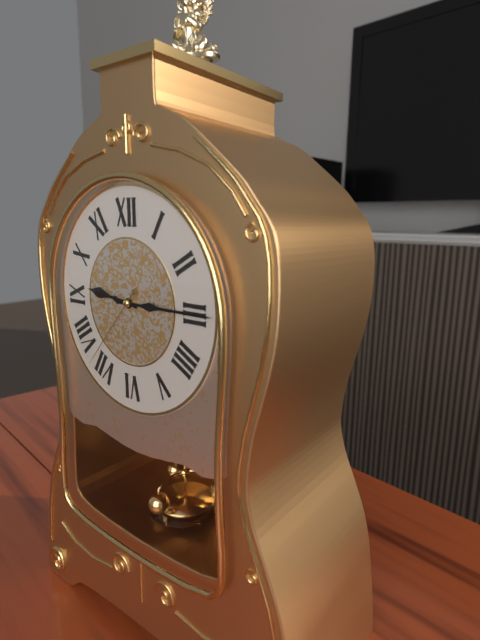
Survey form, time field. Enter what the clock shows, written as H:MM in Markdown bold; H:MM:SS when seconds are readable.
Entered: **9:15:37**
